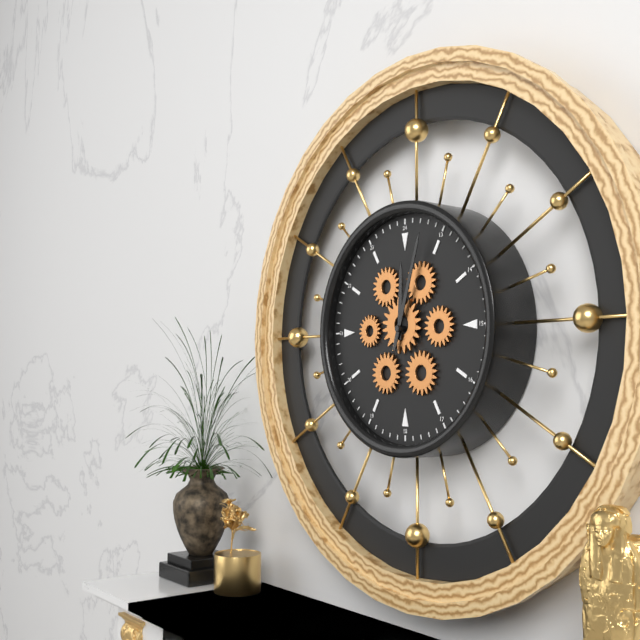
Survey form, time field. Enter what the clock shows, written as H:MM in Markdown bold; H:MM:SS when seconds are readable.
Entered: **12:03**
